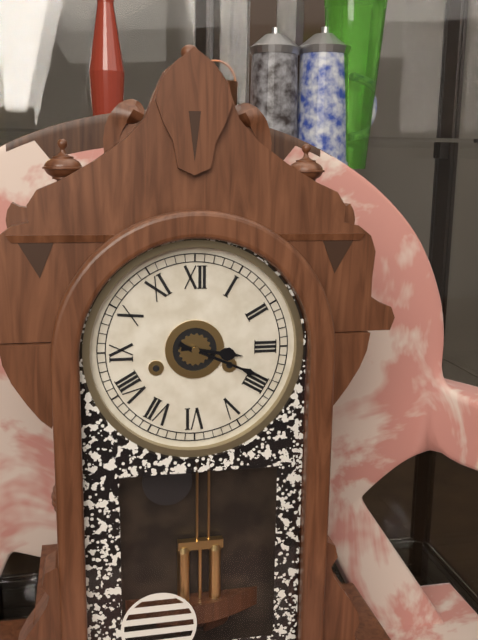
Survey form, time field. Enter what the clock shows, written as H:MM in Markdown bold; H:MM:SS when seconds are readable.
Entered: **3:19**
